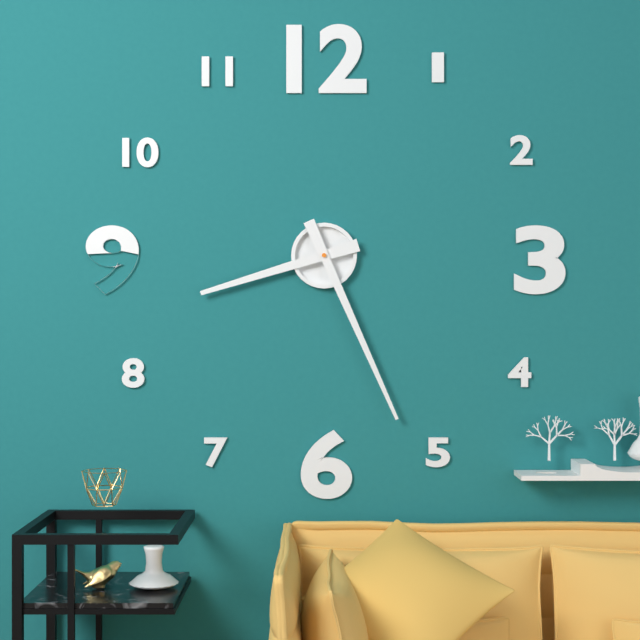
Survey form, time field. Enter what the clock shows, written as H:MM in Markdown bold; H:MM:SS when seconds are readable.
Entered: **8:26**
